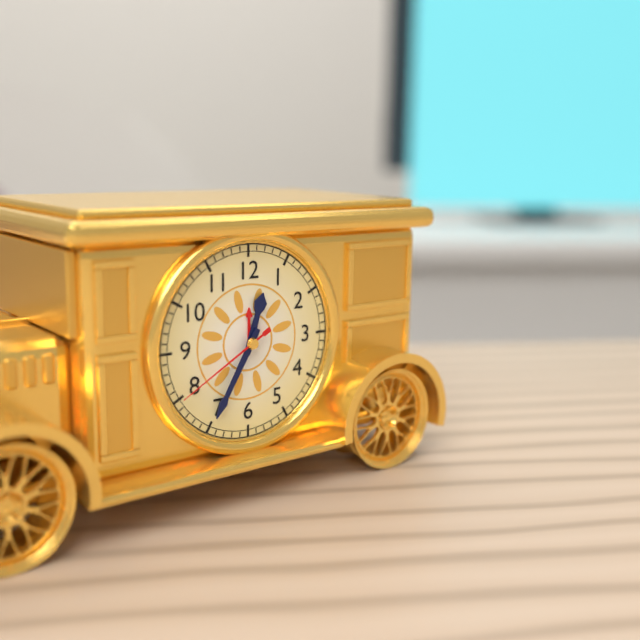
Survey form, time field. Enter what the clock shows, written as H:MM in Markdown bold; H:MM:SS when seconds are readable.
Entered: **12:35:40**
